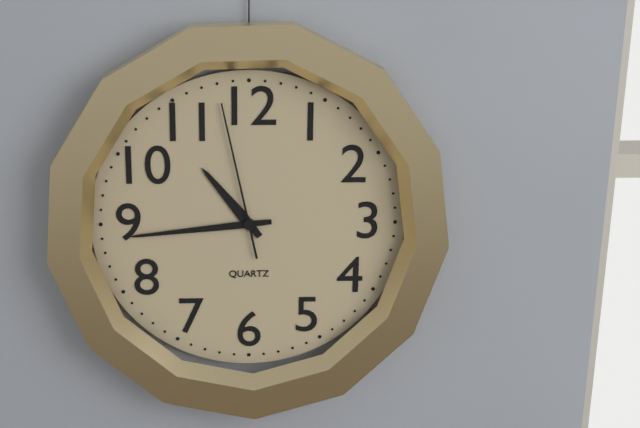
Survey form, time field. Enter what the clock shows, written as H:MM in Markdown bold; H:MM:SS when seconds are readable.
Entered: **10:44:58**
